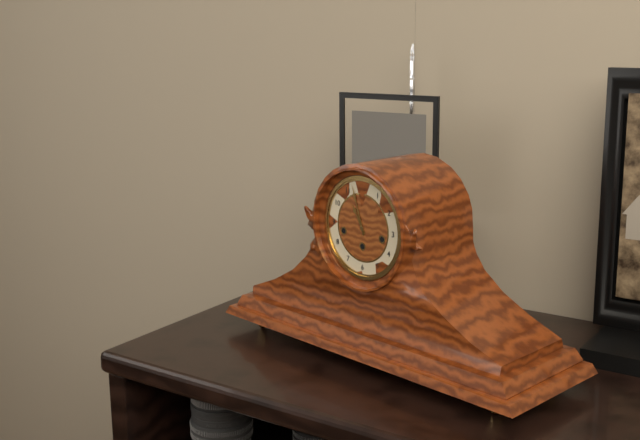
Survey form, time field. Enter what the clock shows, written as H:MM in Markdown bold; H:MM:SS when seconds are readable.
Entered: **10:57**
